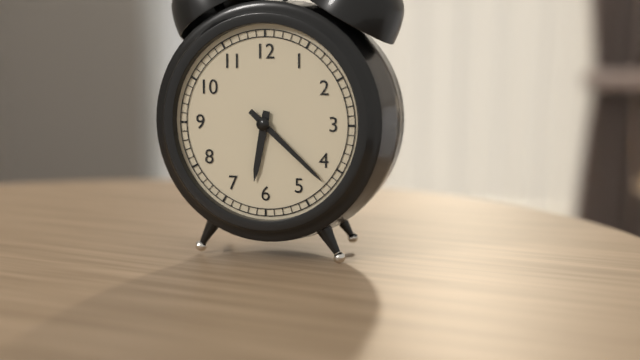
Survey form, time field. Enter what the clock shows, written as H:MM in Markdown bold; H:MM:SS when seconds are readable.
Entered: **6:22**
